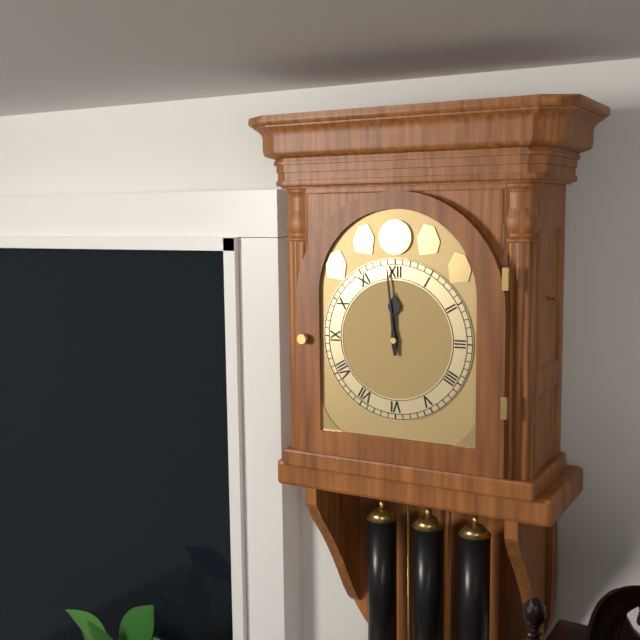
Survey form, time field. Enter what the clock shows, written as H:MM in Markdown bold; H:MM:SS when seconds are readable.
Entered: **11:59**
